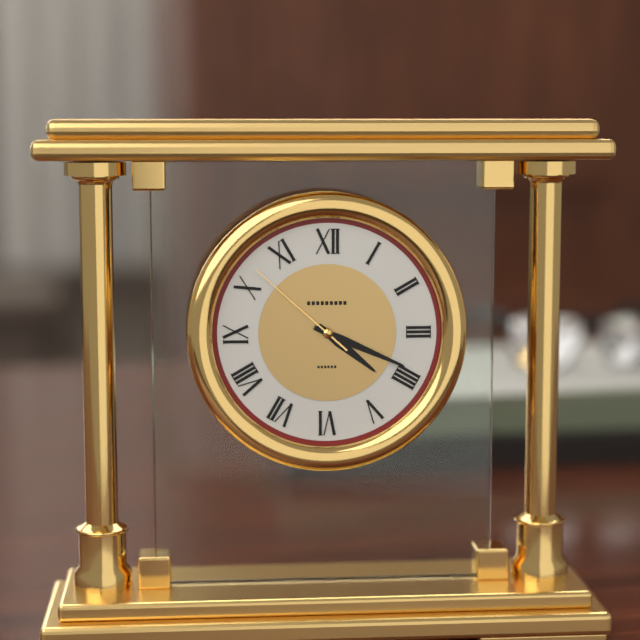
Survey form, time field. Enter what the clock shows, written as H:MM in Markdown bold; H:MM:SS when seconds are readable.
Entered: **4:19:52**
